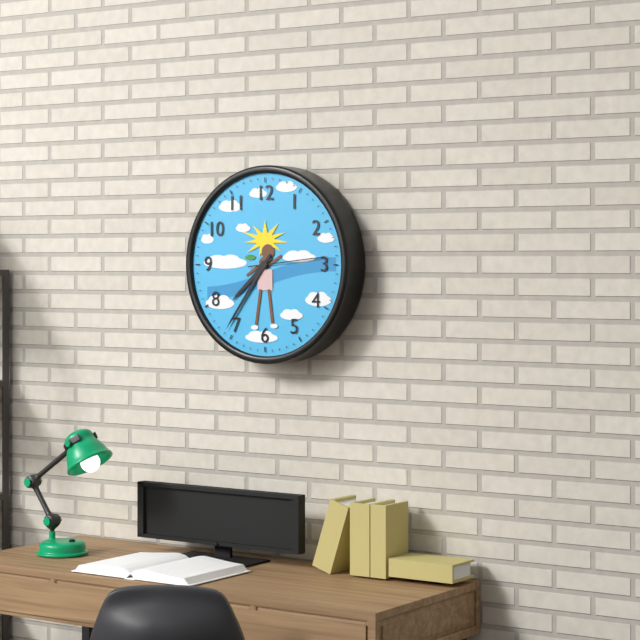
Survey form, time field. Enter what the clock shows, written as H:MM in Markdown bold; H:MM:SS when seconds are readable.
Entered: **7:36:14**
